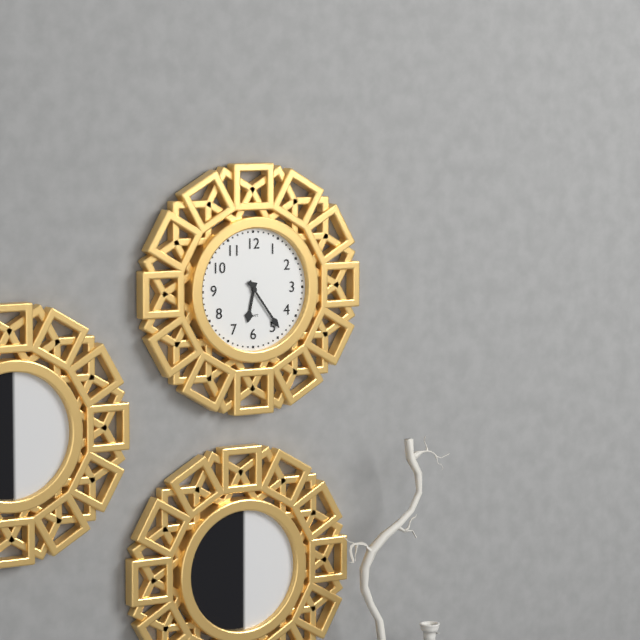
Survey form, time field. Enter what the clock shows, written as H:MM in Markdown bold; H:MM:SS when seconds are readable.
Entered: **6:24**
